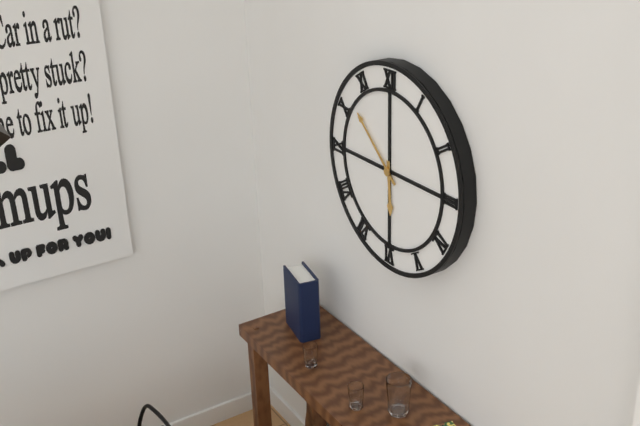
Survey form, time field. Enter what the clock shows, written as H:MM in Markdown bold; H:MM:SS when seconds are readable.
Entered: **5:52**
